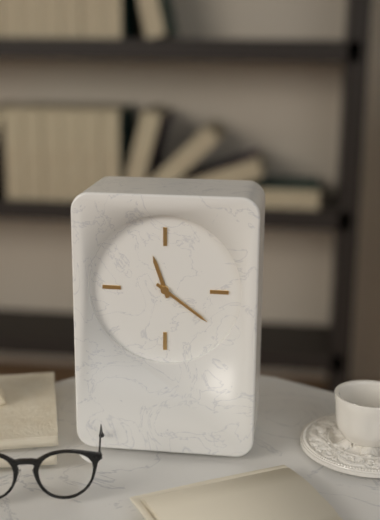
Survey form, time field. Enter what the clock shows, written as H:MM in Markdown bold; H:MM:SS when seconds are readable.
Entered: **11:21**
